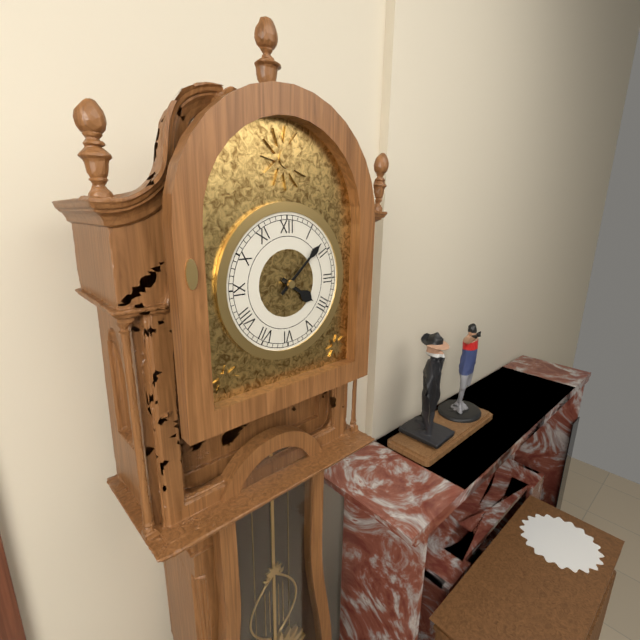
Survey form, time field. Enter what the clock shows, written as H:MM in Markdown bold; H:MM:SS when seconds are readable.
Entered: **4:08**
